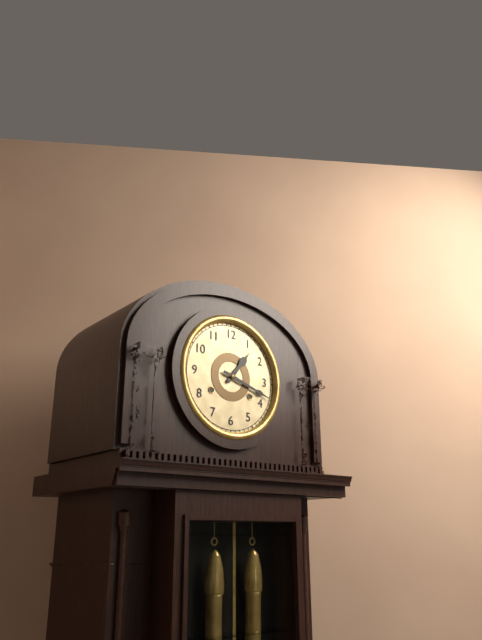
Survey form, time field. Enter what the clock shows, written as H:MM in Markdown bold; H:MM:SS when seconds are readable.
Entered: **1:18**
